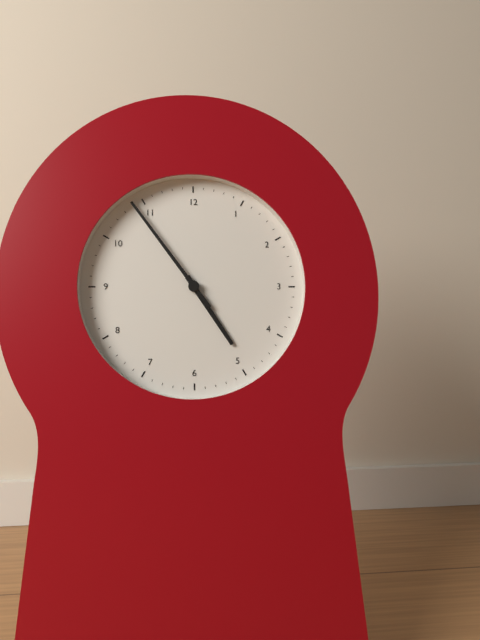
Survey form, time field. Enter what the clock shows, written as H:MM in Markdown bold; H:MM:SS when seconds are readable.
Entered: **4:54**
